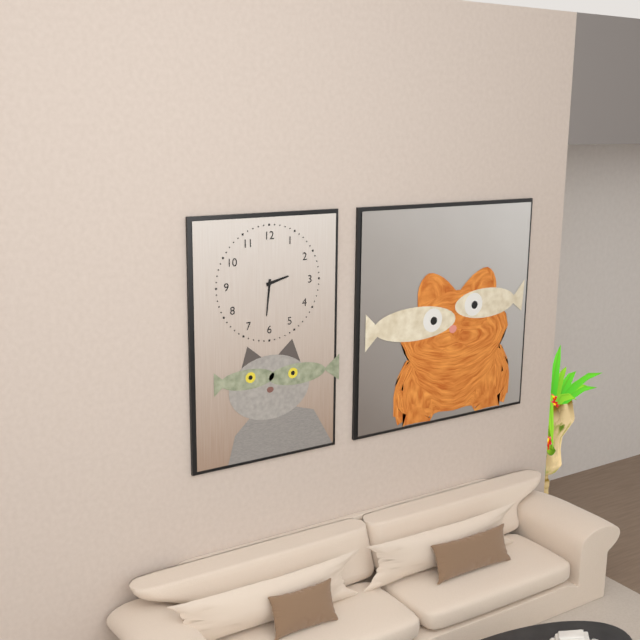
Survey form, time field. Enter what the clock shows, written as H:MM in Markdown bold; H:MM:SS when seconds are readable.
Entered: **2:31**
